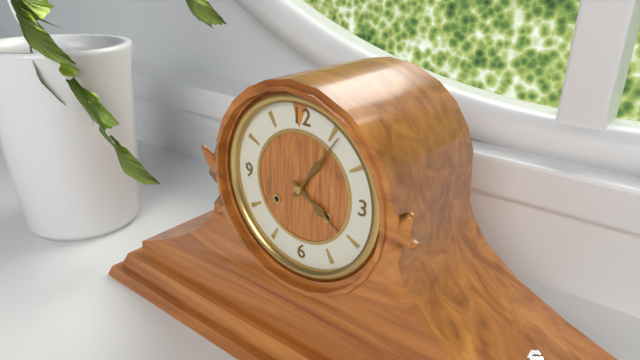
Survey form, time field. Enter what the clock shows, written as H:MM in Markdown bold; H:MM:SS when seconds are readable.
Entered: **4:06**
